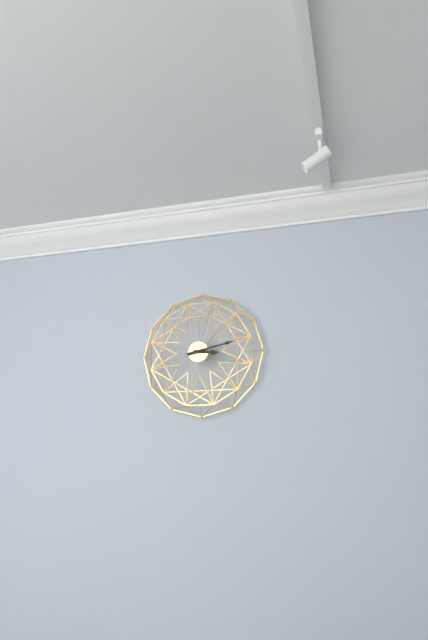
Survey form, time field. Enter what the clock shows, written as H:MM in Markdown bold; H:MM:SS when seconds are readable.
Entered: **3:13**
